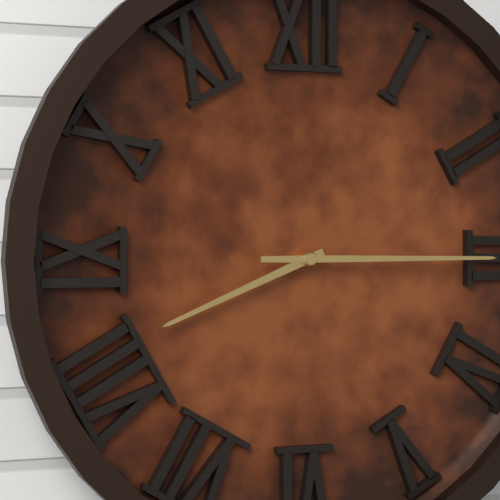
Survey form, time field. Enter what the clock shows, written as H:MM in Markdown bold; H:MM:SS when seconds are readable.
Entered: **8:15**
